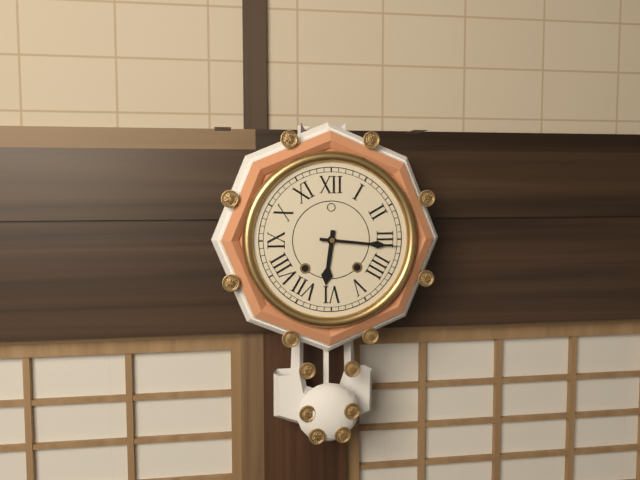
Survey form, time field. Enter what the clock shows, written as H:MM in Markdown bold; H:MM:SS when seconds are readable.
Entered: **6:16**
